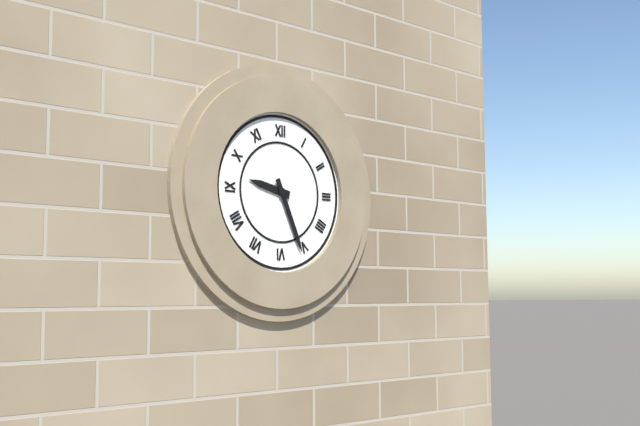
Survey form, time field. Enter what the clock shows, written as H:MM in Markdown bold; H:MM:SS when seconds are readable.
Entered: **9:26**
